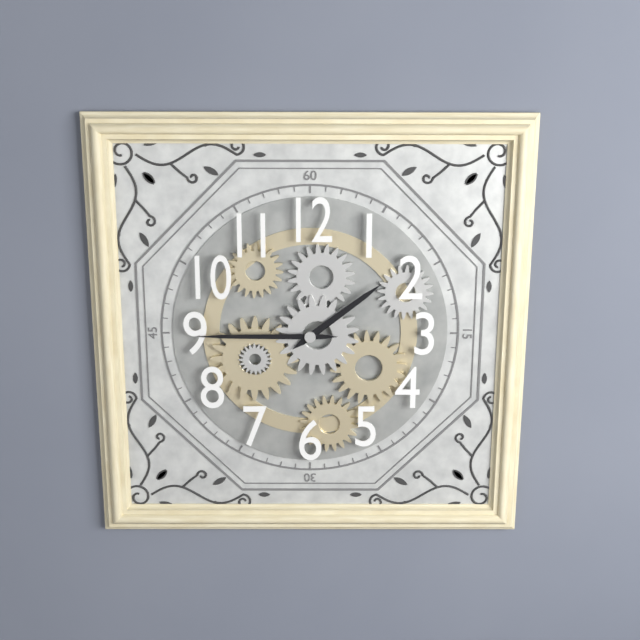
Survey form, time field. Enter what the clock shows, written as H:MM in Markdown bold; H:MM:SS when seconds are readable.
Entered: **1:45**
